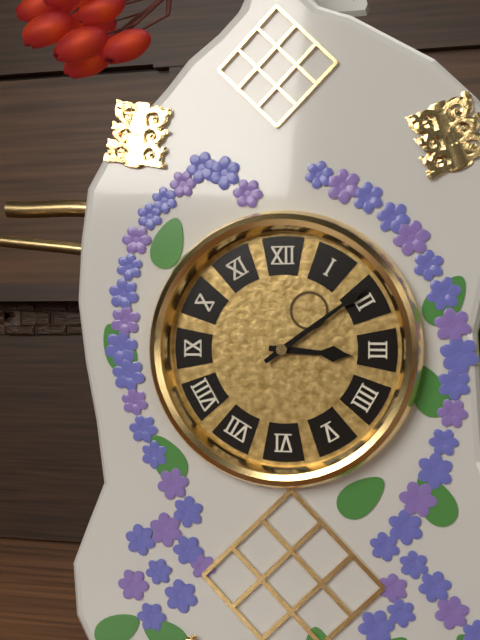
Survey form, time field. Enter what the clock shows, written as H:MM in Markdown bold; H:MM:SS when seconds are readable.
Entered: **3:09**
